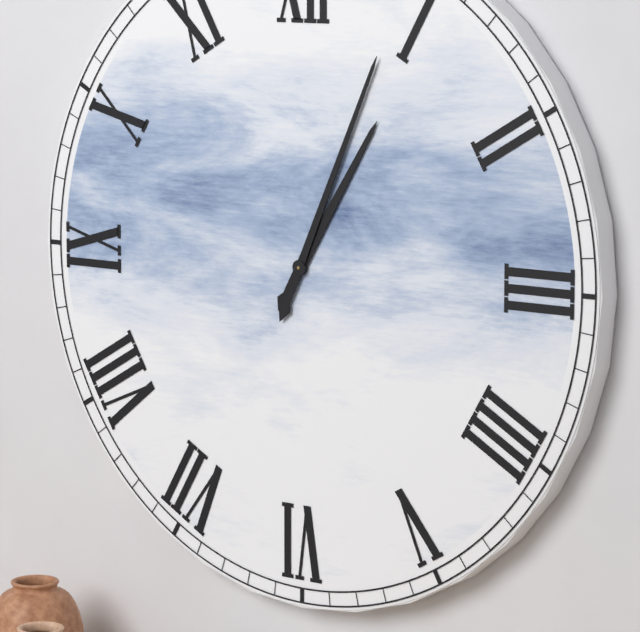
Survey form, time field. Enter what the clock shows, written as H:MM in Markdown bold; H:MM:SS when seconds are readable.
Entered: **1:04**
